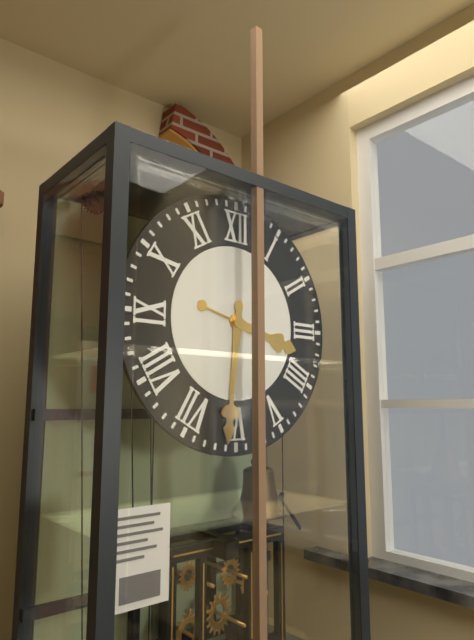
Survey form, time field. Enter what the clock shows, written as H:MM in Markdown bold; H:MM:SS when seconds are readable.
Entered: **3:31**
